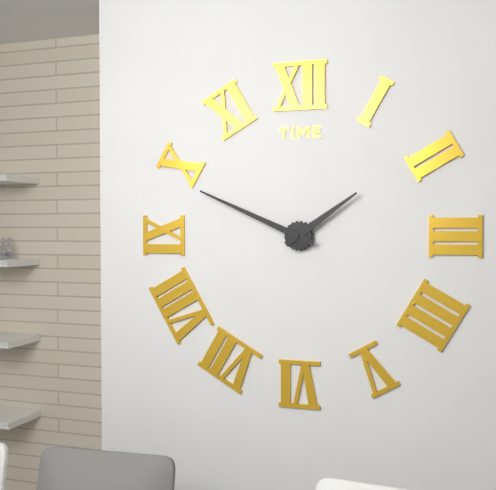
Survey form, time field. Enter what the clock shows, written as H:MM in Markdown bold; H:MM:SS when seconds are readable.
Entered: **1:49**
